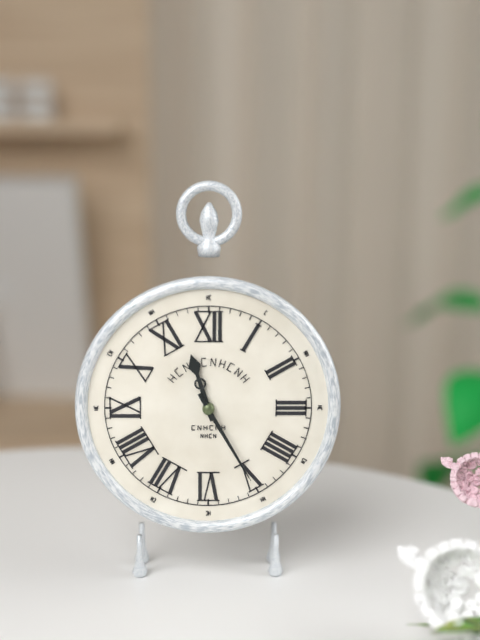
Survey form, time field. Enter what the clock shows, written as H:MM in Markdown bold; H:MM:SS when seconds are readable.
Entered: **11:25**
